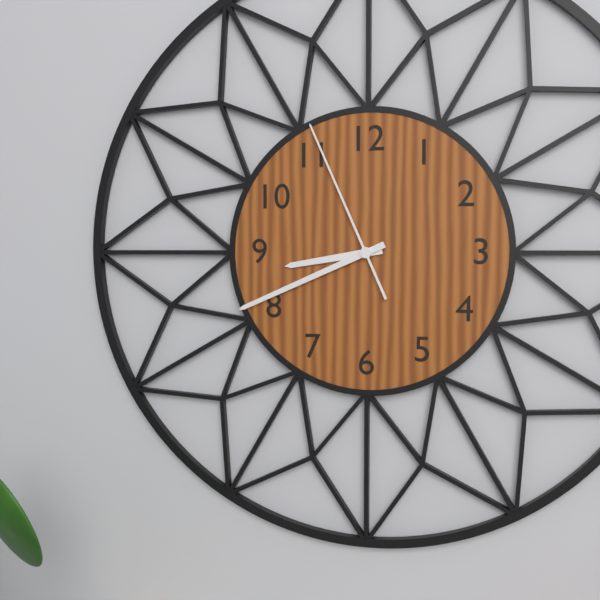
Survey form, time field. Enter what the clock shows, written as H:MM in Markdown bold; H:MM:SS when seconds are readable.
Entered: **8:41:56**
